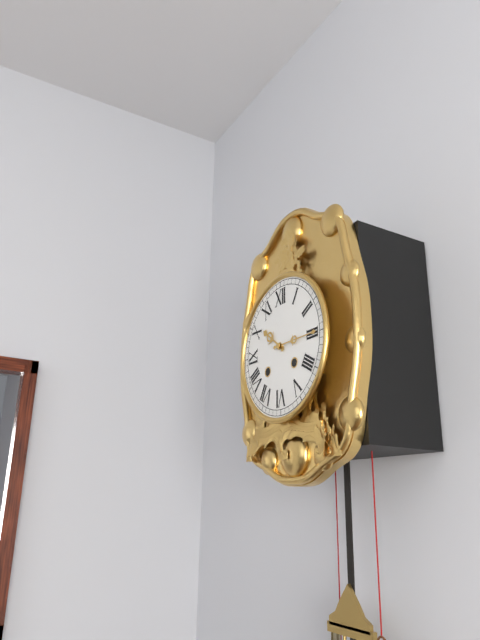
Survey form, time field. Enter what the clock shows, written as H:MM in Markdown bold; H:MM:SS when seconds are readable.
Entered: **10:15**
